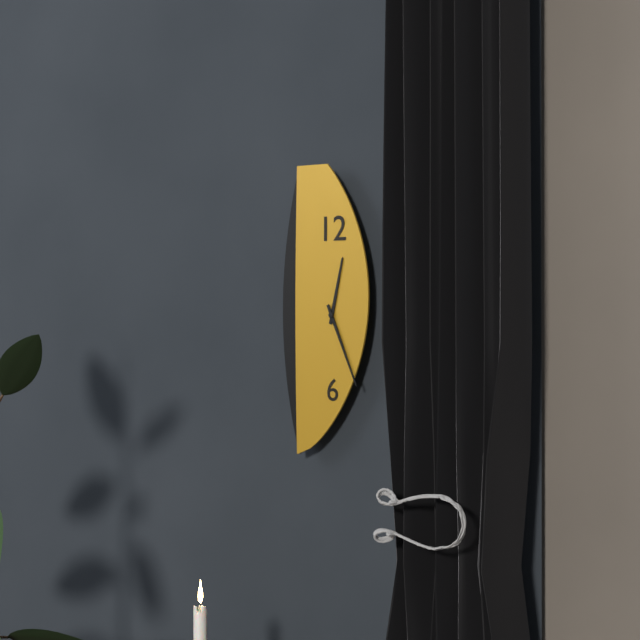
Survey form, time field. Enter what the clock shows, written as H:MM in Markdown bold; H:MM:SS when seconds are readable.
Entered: **12:26**
